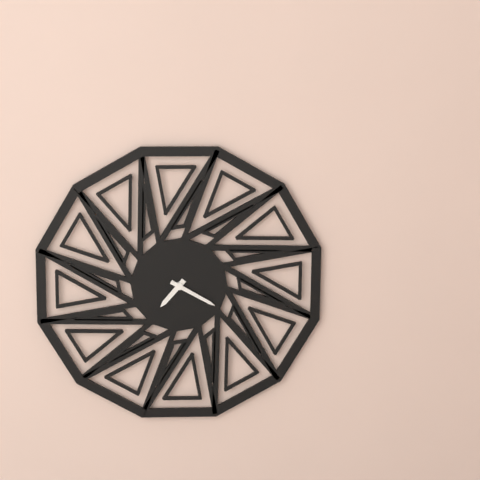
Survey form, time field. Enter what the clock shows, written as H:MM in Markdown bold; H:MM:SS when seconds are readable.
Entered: **7:20**
